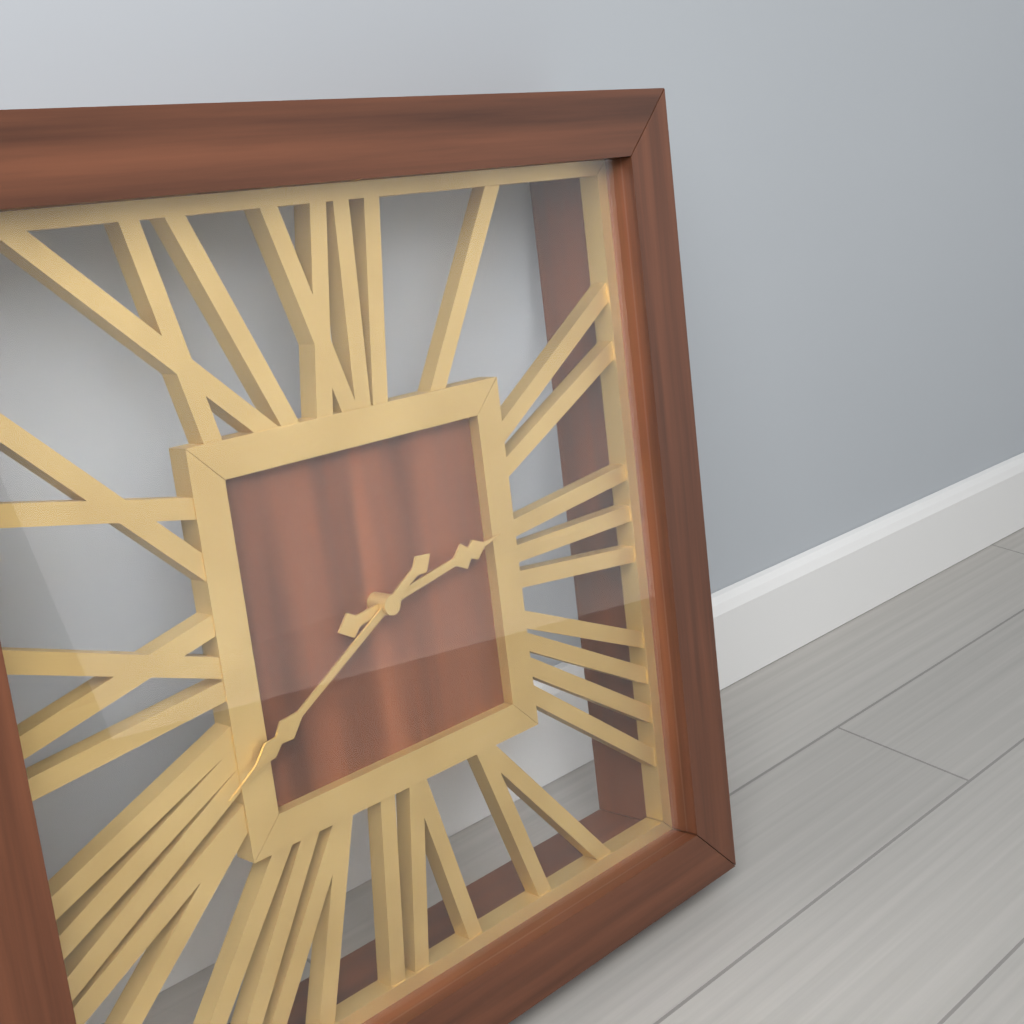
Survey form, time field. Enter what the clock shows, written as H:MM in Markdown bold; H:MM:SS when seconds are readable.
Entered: **2:40**
